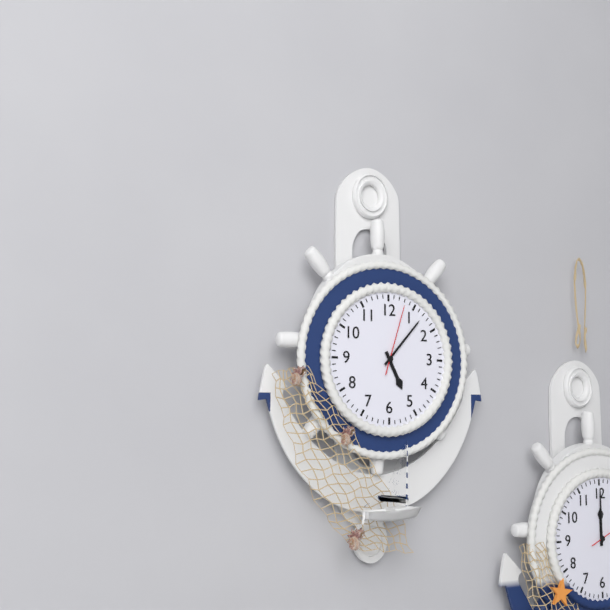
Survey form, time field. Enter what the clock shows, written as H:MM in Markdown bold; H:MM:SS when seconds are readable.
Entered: **5:07:03**
